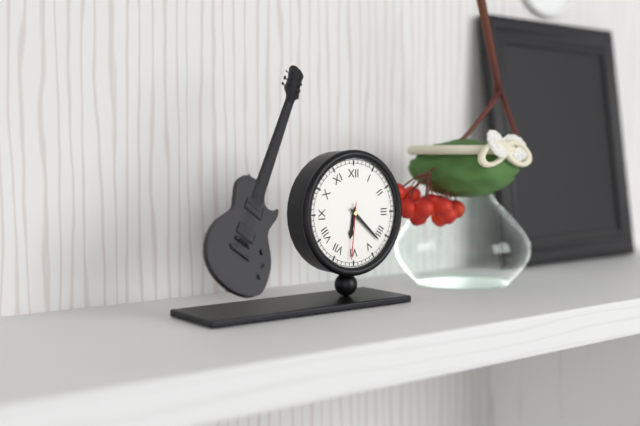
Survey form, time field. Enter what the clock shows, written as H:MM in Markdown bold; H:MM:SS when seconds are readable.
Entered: **6:22:31**
